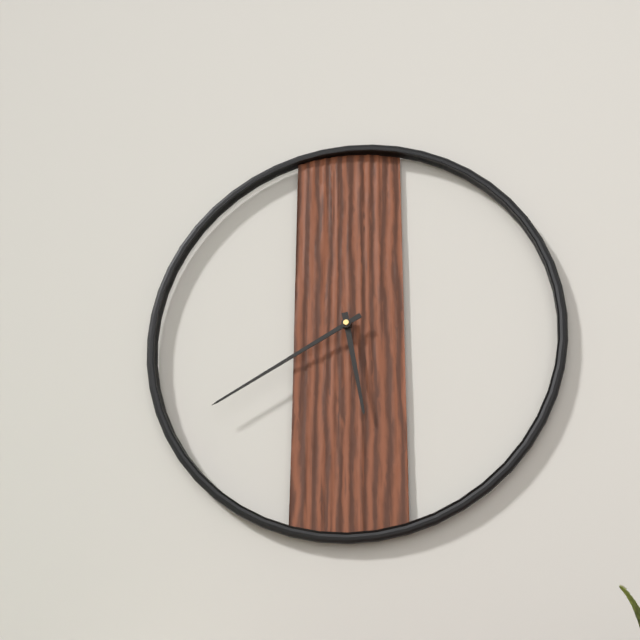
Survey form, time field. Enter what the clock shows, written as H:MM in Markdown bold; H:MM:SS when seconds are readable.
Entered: **5:40**
